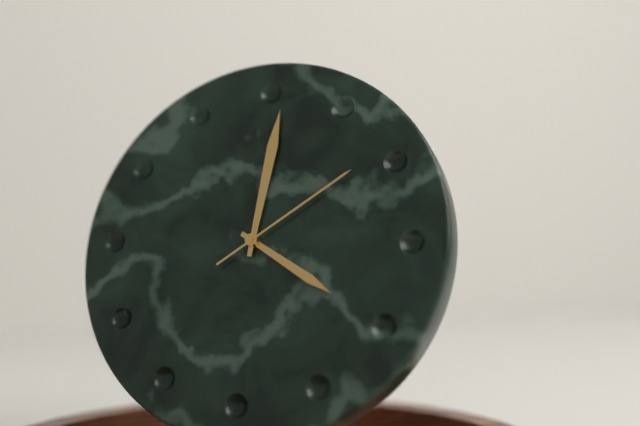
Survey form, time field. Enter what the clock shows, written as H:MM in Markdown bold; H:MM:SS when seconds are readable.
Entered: **4:01:09**
